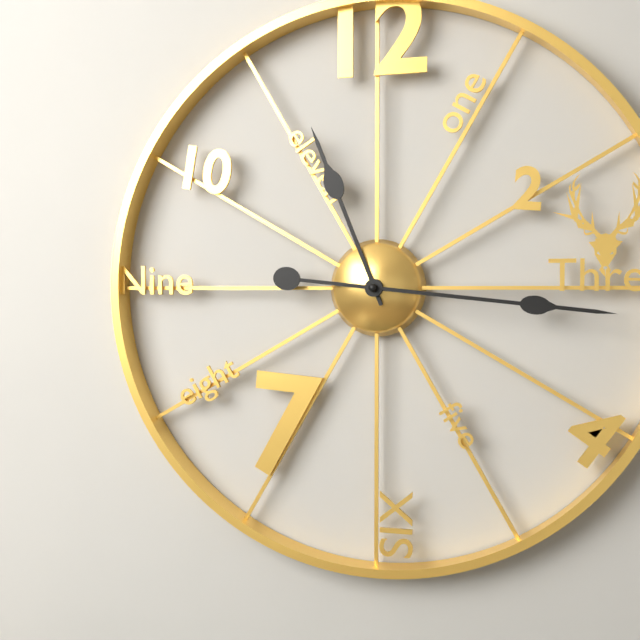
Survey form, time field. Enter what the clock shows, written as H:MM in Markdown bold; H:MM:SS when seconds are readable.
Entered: **11:16**
